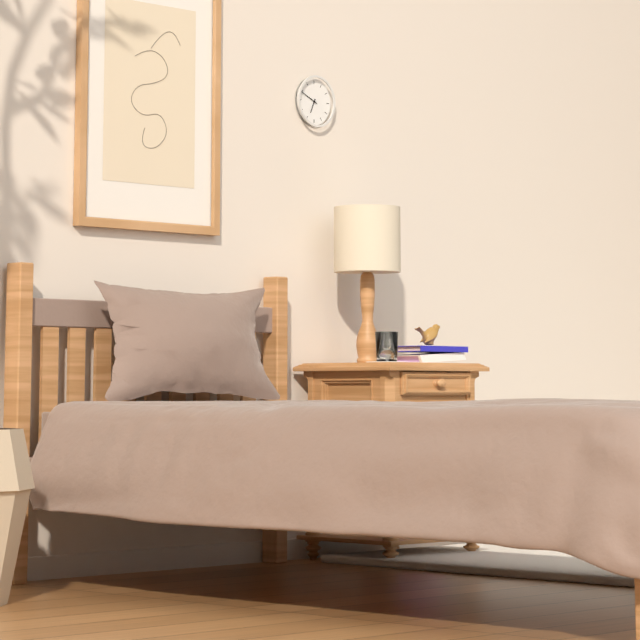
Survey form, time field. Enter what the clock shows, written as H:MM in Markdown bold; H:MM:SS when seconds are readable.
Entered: **6:49**
